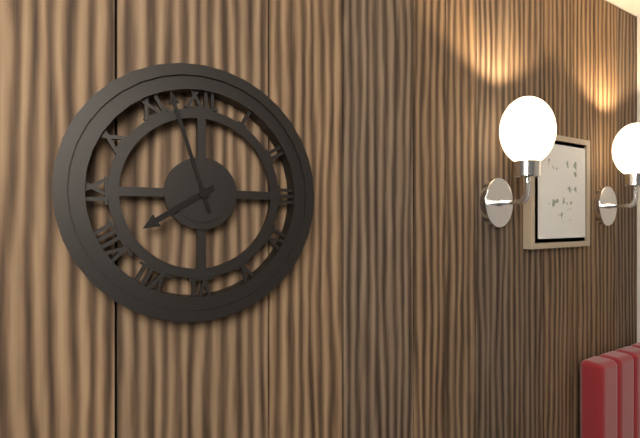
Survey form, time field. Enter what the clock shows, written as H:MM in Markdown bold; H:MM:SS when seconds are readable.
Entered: **7:57**
